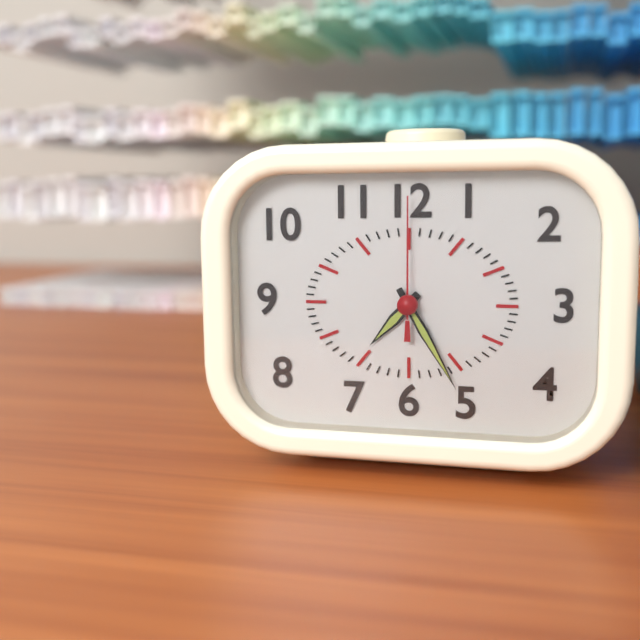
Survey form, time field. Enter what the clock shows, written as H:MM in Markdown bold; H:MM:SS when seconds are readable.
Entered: **7:25:00**
